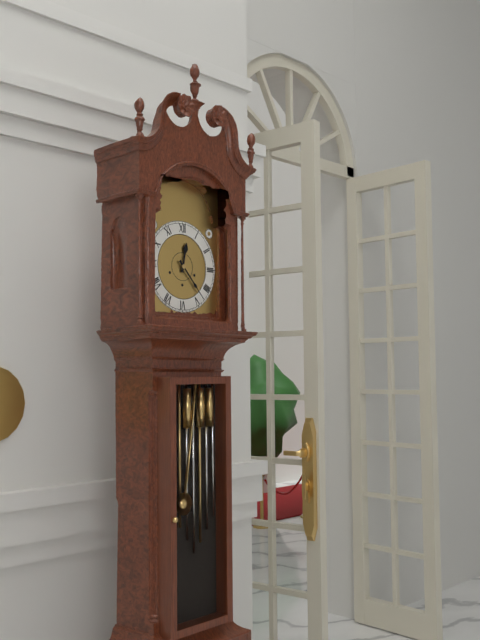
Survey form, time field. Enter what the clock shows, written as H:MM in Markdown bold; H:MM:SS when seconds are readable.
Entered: **12:23**
